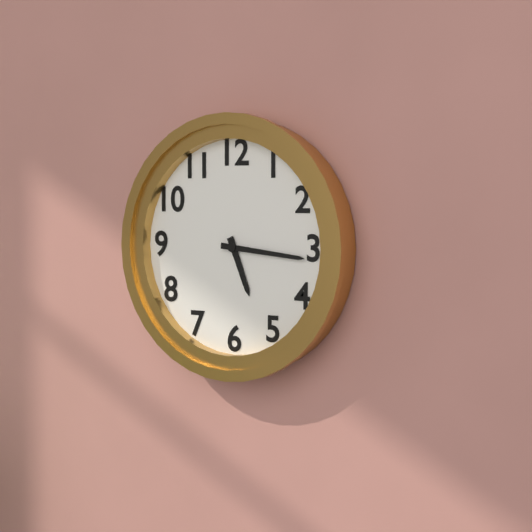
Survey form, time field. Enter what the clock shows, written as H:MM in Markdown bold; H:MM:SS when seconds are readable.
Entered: **5:16**
